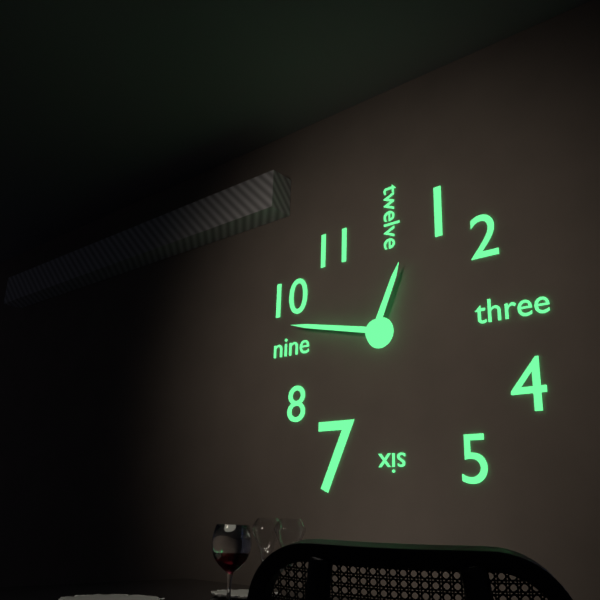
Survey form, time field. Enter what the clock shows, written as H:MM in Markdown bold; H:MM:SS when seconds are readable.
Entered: **12:47**
